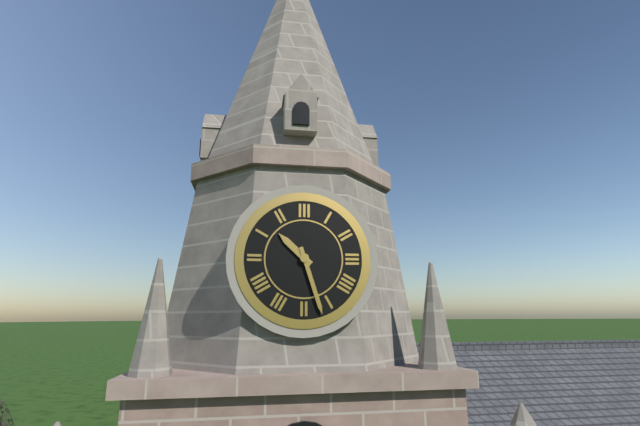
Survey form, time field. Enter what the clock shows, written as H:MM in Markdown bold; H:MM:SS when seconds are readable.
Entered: **10:27**
